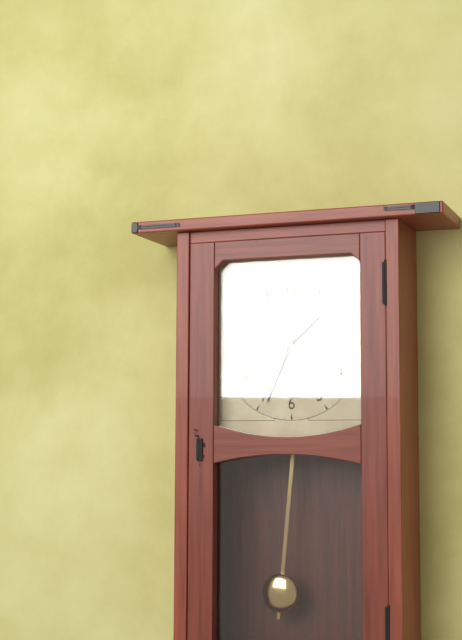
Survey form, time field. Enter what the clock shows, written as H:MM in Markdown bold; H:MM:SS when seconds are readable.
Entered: **1:34**
